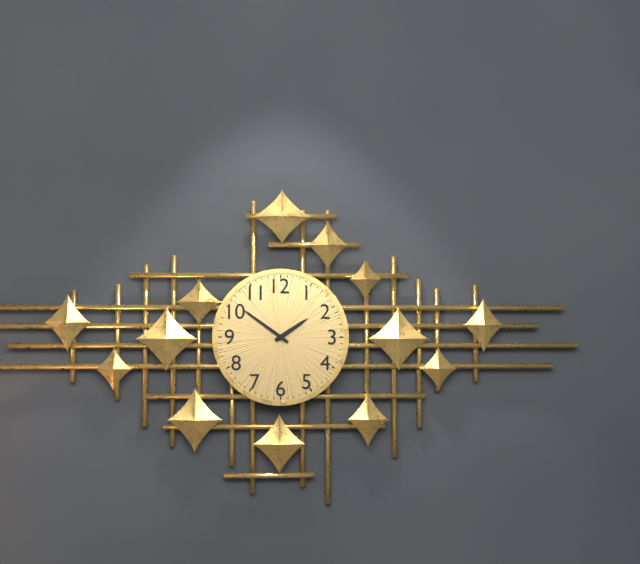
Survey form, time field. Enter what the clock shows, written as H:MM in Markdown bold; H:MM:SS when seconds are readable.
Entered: **1:51**
